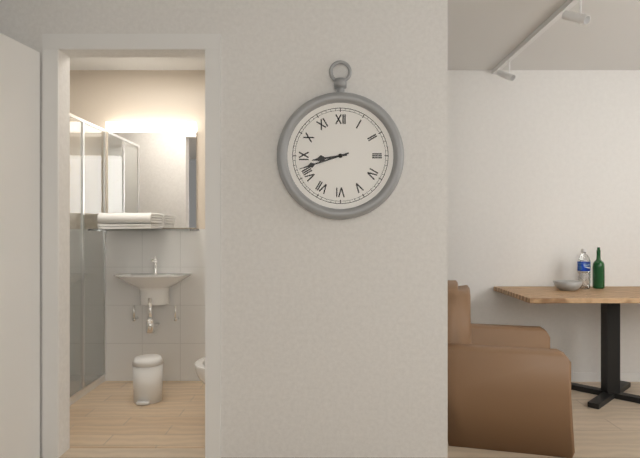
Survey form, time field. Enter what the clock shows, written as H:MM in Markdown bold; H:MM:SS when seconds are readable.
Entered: **8:42**
